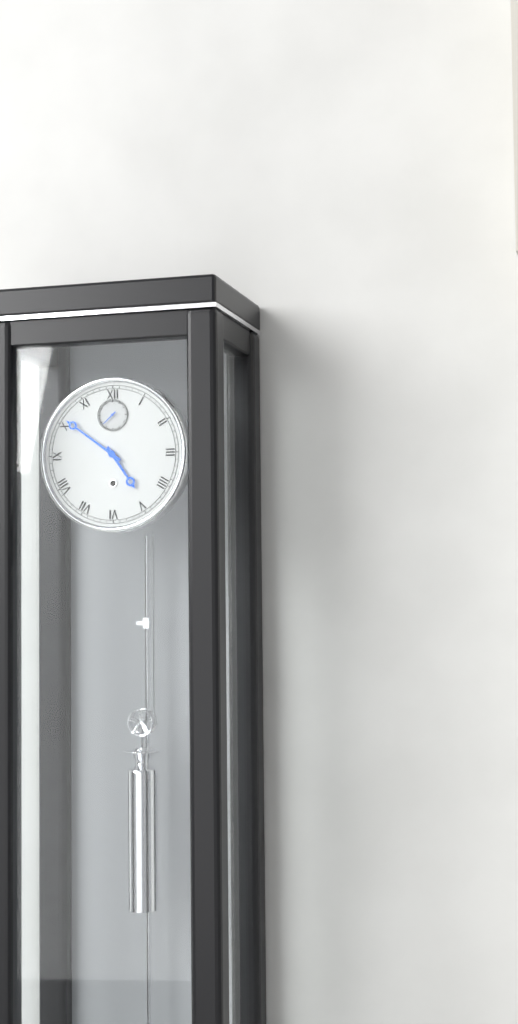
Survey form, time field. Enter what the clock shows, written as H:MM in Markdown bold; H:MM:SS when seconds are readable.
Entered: **4:51**
